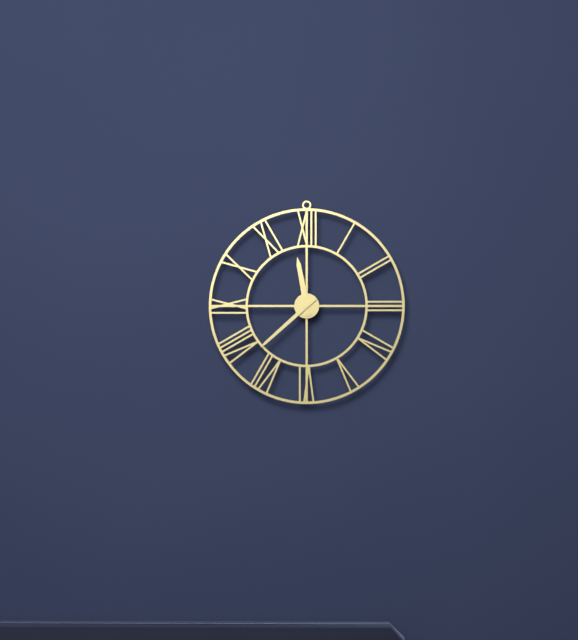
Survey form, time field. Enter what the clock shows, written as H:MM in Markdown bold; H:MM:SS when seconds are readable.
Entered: **11:38**
